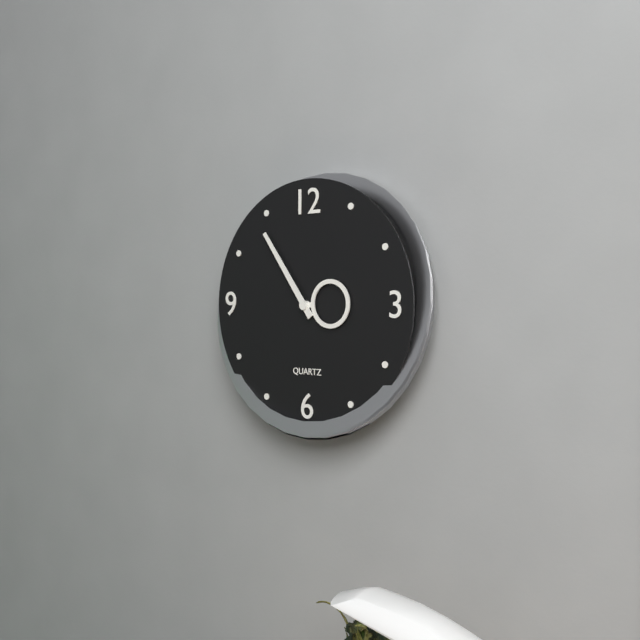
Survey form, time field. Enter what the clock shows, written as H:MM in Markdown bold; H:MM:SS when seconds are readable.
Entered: **2:54**
